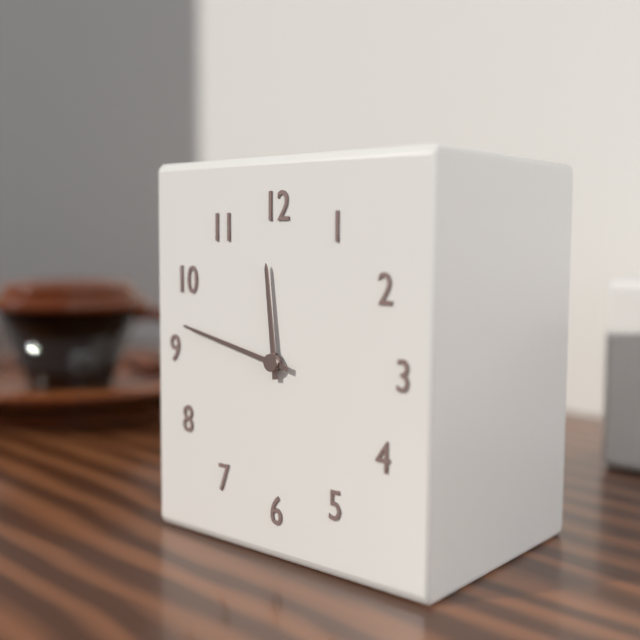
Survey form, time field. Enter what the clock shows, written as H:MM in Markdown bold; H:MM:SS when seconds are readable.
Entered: **11:47**
